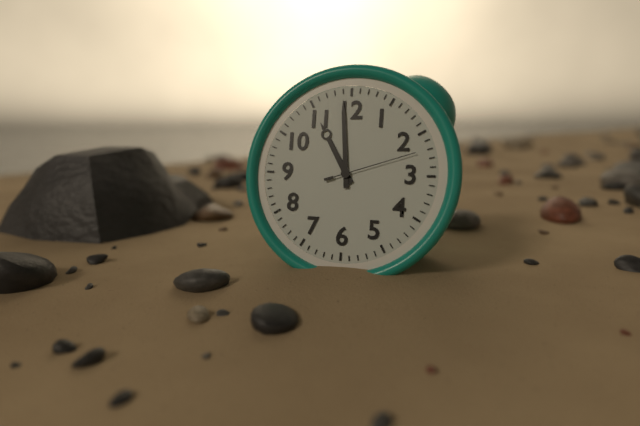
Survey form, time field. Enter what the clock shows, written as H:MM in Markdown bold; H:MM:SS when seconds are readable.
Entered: **10:59:12**
